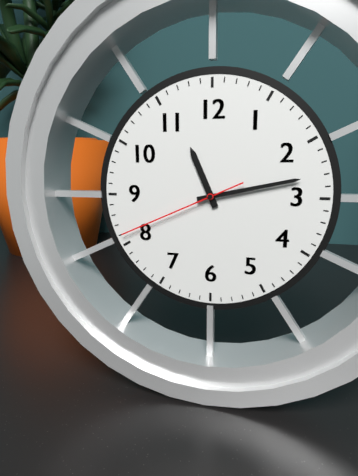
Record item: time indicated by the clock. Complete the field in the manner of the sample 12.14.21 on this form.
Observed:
11.13.41
